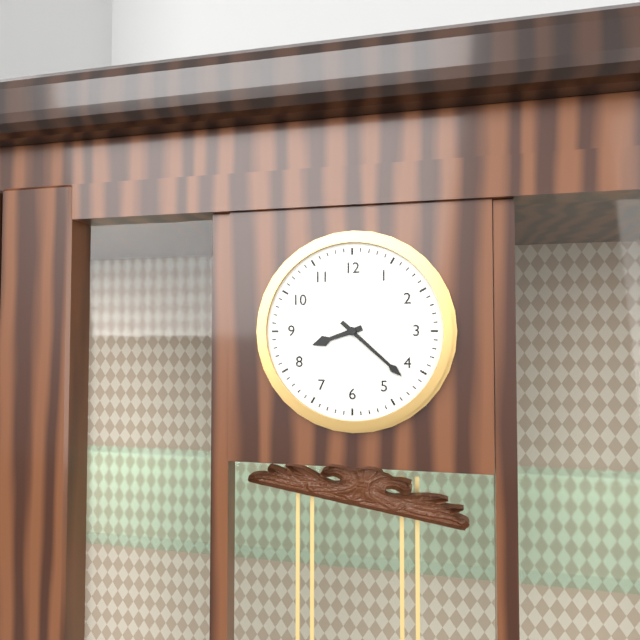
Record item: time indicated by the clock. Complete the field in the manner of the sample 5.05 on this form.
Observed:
8.22
